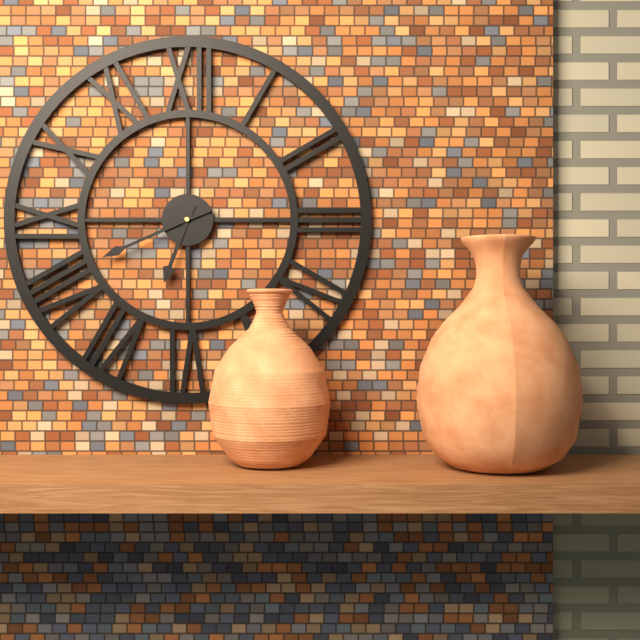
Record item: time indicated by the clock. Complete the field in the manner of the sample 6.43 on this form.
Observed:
6.41
